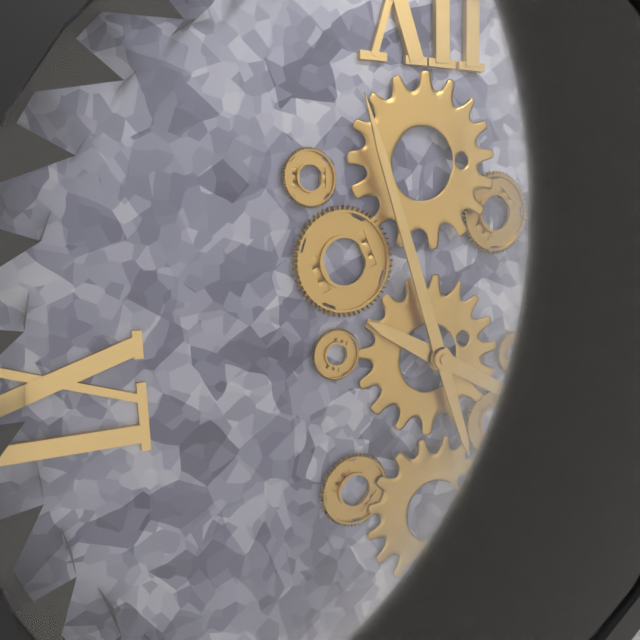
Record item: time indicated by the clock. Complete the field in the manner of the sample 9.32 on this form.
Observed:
3.57
